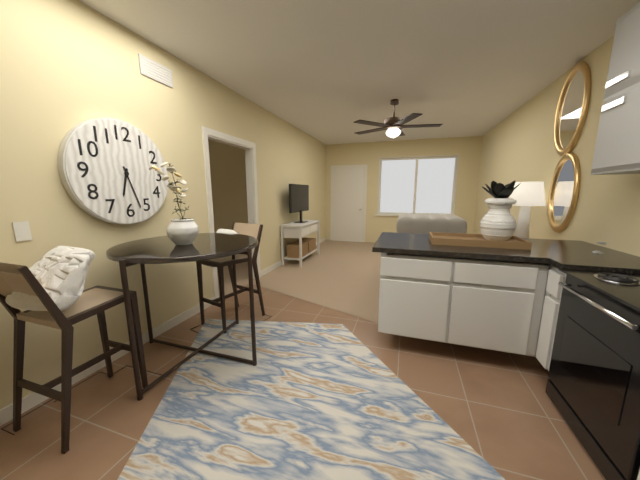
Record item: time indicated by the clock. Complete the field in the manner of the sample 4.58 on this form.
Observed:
6.27
